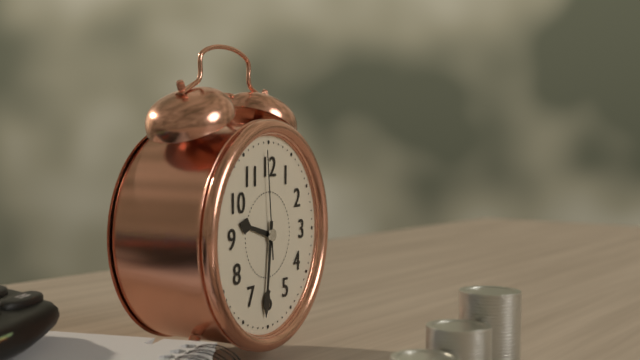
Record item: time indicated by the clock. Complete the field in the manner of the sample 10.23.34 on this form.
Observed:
9.31.59
